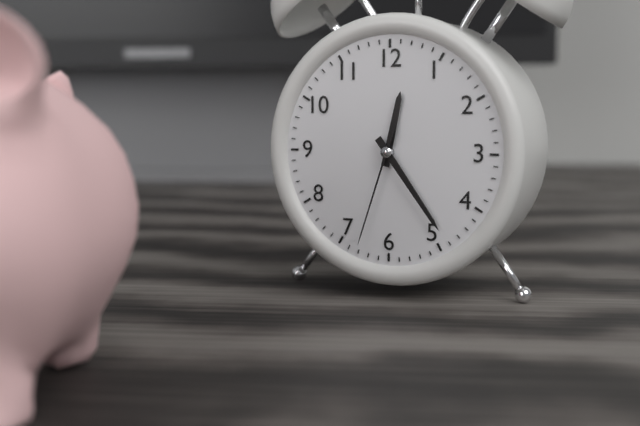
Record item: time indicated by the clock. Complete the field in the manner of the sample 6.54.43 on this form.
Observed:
12.24.33
